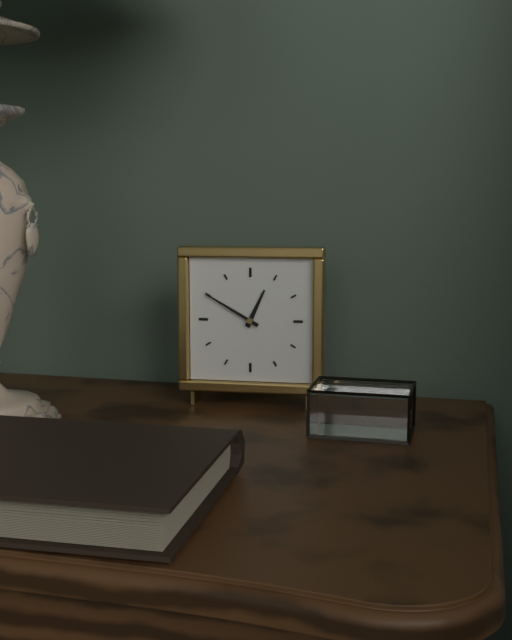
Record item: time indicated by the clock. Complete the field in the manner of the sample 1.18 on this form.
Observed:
12.50
